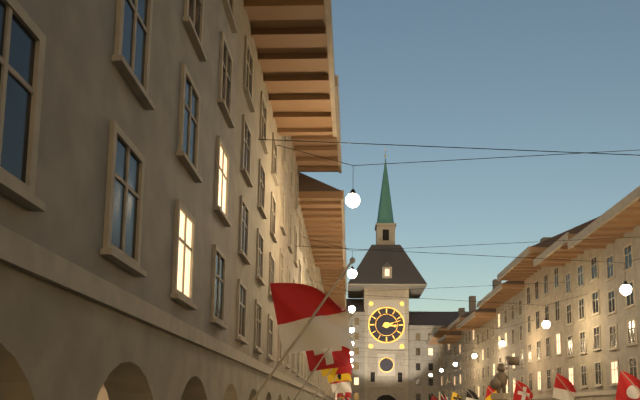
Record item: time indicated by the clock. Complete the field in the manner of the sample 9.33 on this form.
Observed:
3.12
